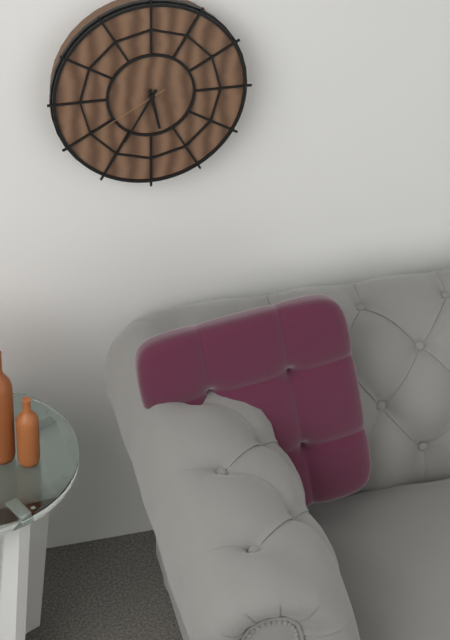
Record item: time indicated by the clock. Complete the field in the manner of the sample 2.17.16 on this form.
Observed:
5.35.40
